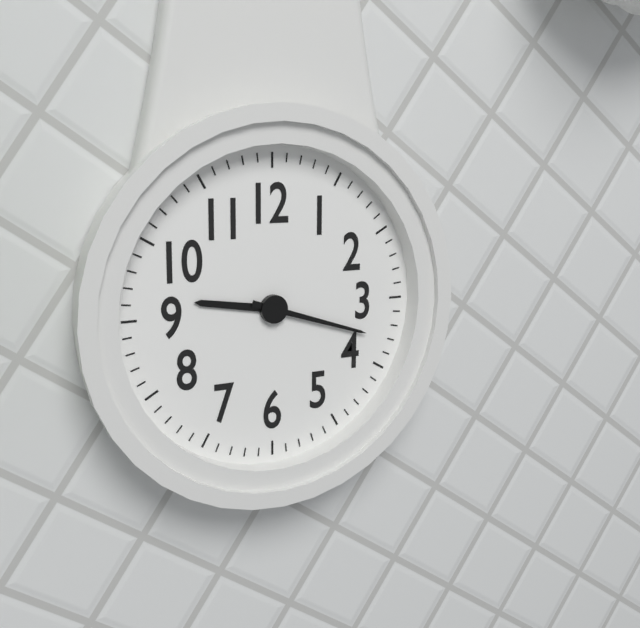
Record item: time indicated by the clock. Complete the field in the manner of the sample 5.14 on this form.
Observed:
9.18
